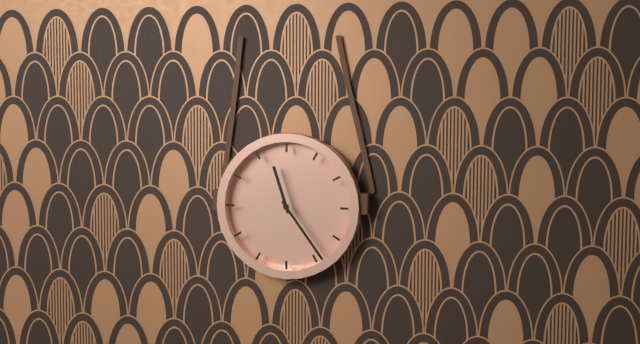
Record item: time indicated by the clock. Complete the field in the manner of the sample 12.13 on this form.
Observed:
11.24
